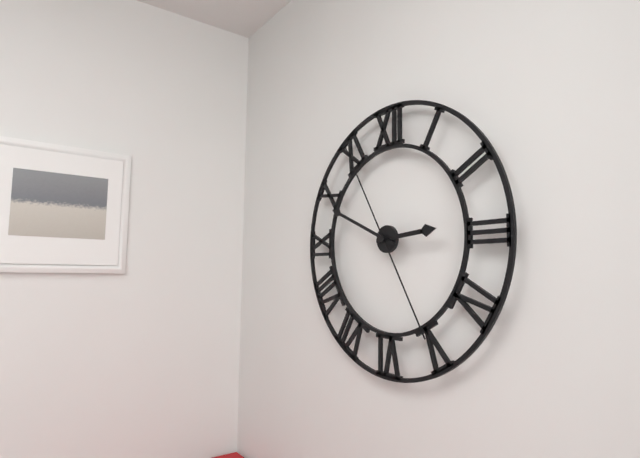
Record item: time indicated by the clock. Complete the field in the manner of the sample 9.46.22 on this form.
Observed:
2.49.55
